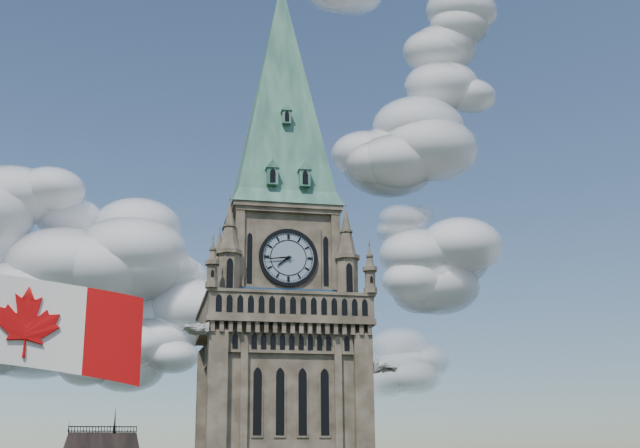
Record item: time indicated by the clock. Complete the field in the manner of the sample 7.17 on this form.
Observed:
7.44
